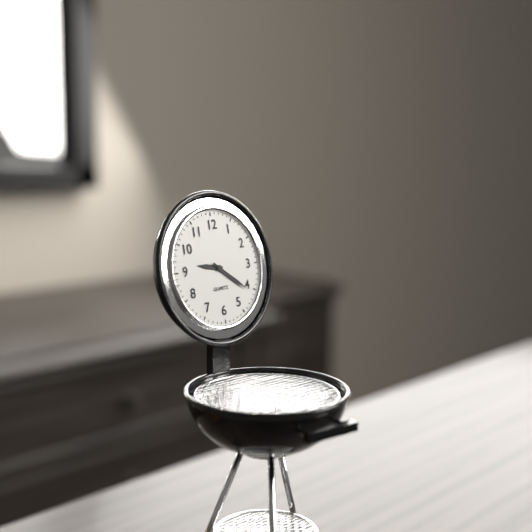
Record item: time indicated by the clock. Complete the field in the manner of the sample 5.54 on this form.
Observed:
9.21
